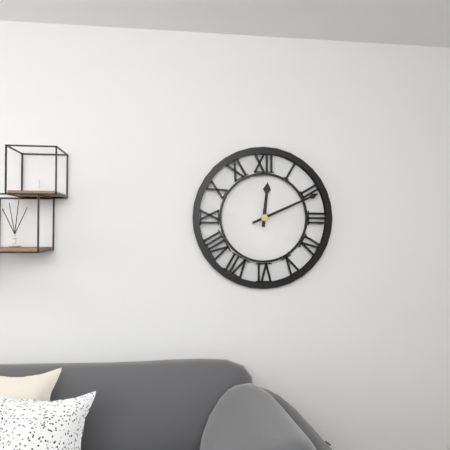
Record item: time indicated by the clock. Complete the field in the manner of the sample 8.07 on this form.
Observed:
12.11
